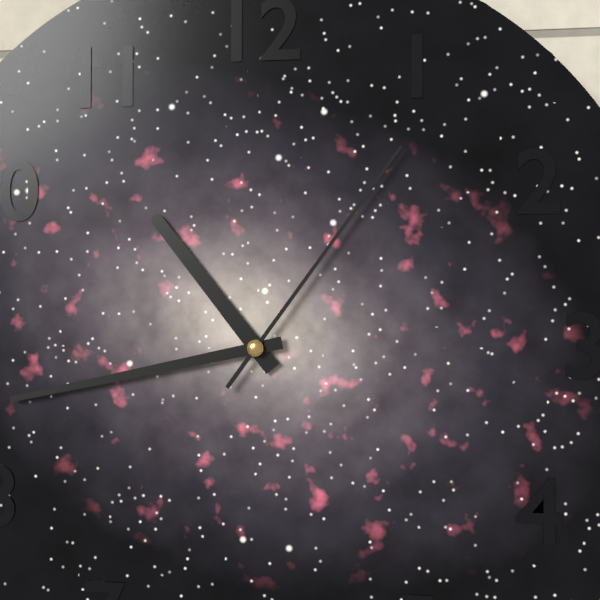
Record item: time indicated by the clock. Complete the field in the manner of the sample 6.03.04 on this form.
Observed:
10.43.06
